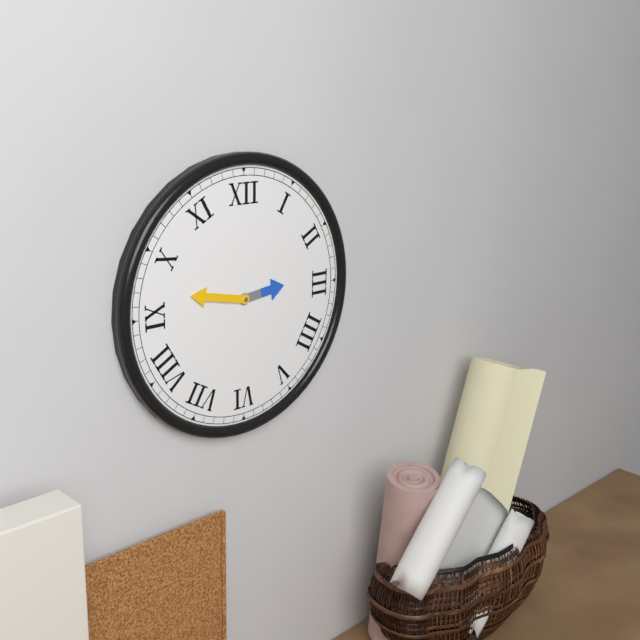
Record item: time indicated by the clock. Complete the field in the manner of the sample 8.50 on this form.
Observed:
2.47
